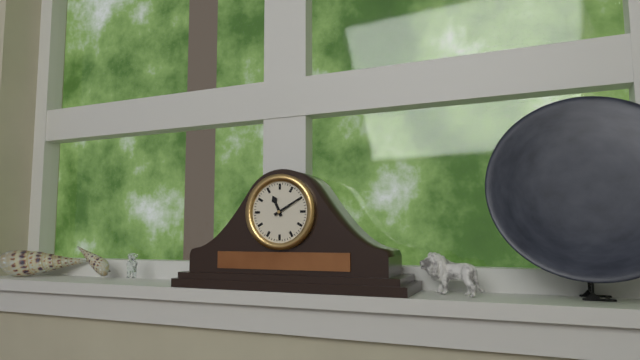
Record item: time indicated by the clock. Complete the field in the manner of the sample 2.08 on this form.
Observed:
11.10
